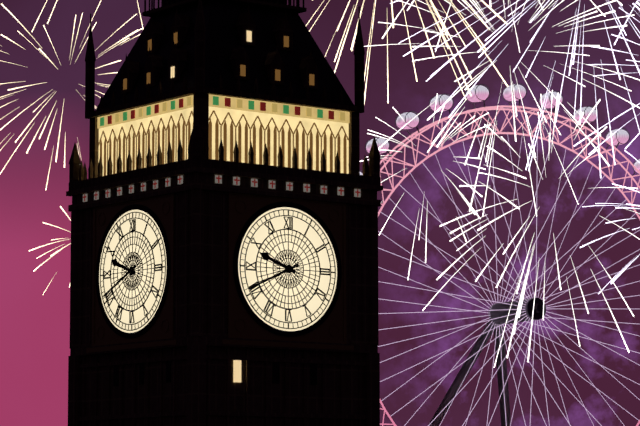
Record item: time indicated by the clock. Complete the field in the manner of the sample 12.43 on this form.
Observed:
9.41
